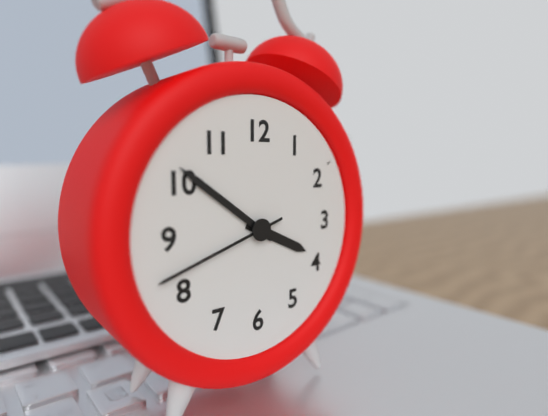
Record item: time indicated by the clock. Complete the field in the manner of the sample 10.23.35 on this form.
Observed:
3.51.42
